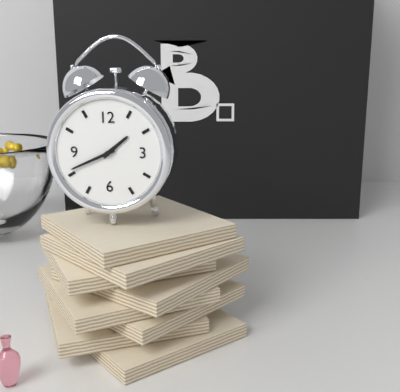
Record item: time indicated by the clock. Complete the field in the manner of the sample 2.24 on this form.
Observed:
1.41
